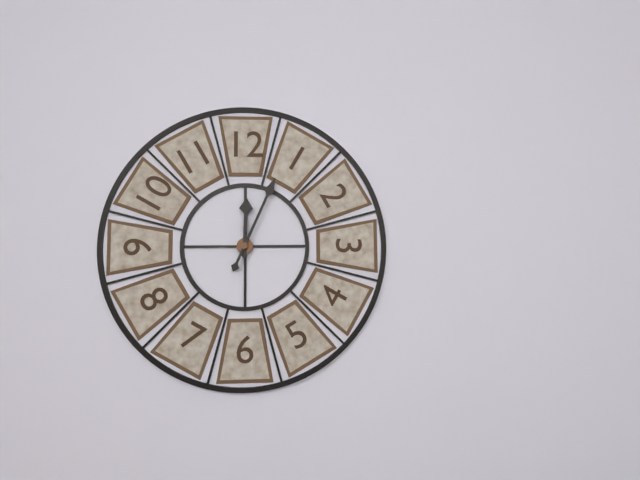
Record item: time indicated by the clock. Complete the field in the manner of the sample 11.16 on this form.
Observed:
12.04
